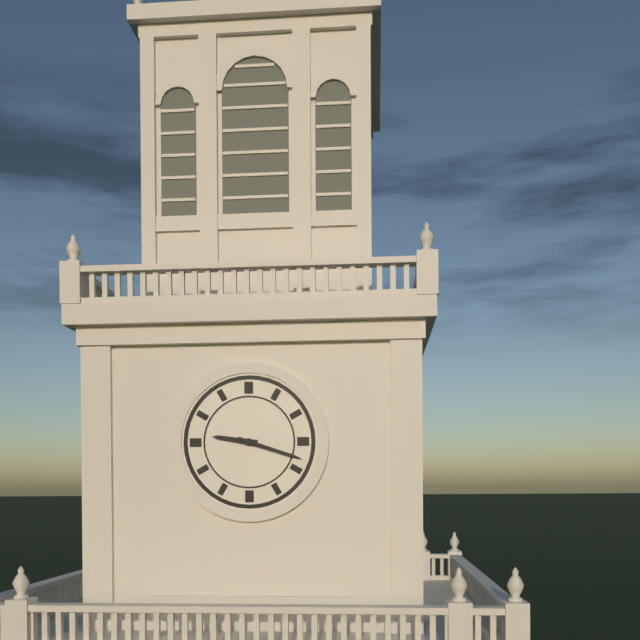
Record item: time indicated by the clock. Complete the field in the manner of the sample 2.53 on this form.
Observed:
9.18
